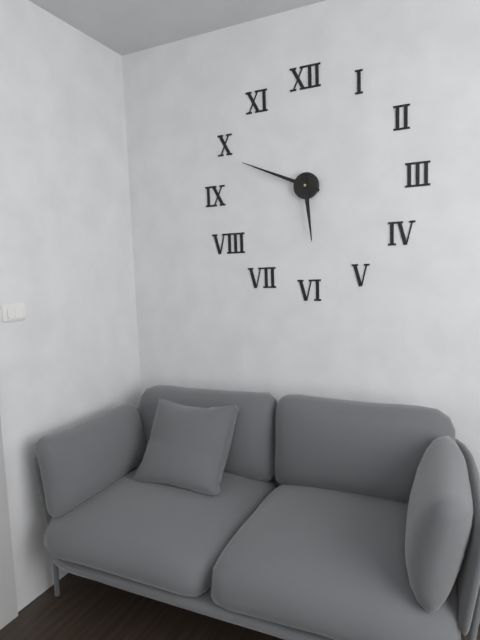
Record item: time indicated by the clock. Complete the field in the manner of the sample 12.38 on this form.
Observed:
5.49
